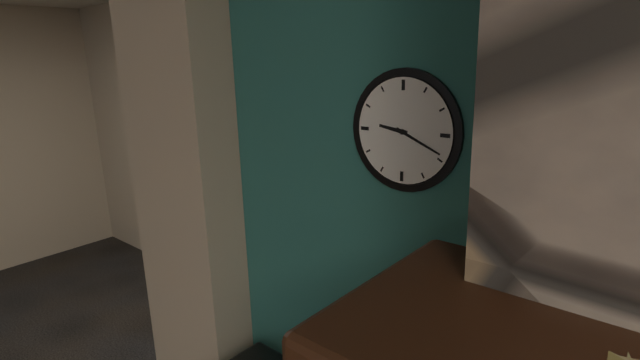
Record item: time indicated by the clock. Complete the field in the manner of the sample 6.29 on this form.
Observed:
9.19
